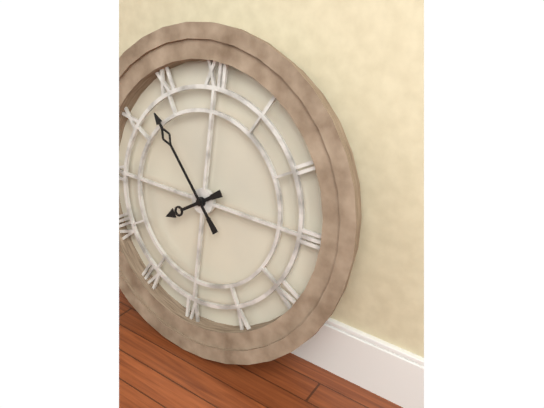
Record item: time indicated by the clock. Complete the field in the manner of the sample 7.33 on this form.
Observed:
7.53
